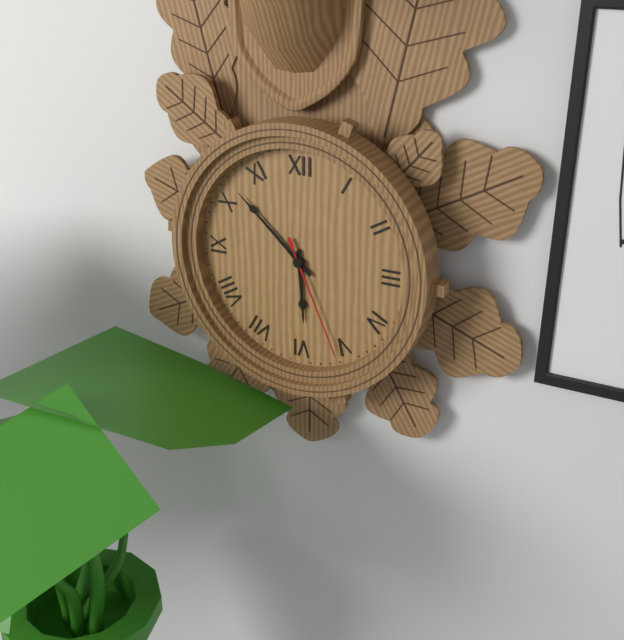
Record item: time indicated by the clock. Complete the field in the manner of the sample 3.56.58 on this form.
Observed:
5.52.26
